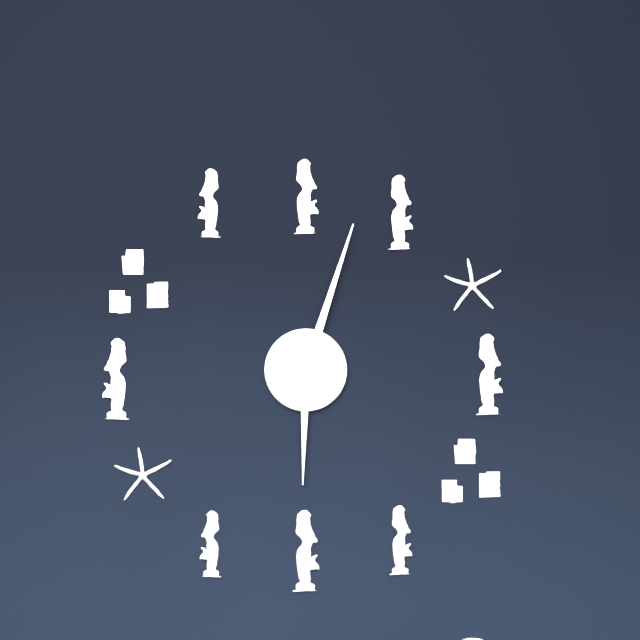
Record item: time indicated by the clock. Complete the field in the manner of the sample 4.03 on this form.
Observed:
6.03
